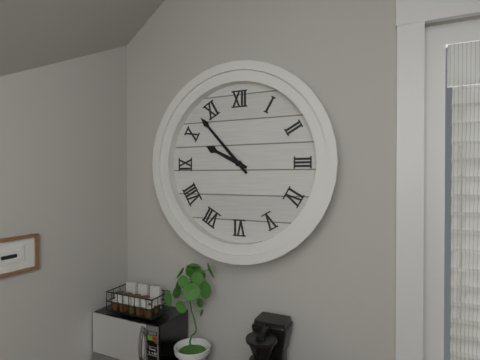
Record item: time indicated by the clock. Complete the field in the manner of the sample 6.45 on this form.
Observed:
9.53
